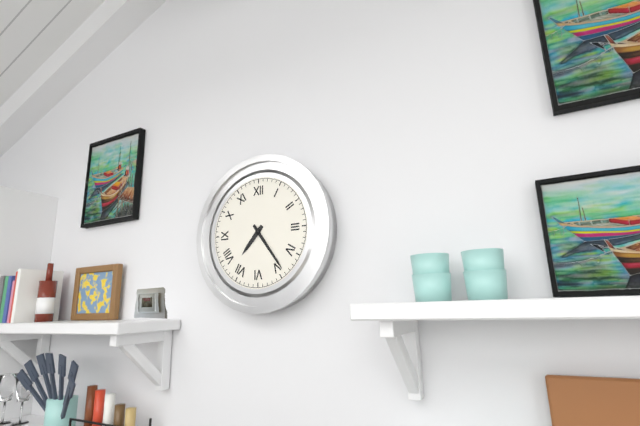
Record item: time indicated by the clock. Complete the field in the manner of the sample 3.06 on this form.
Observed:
7.24
